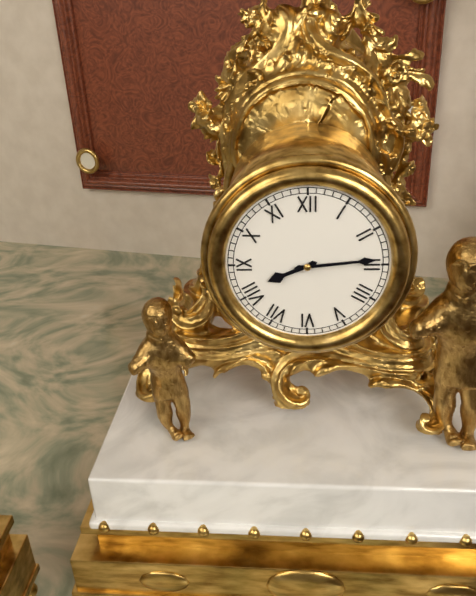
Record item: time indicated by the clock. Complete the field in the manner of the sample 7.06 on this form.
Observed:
8.14
